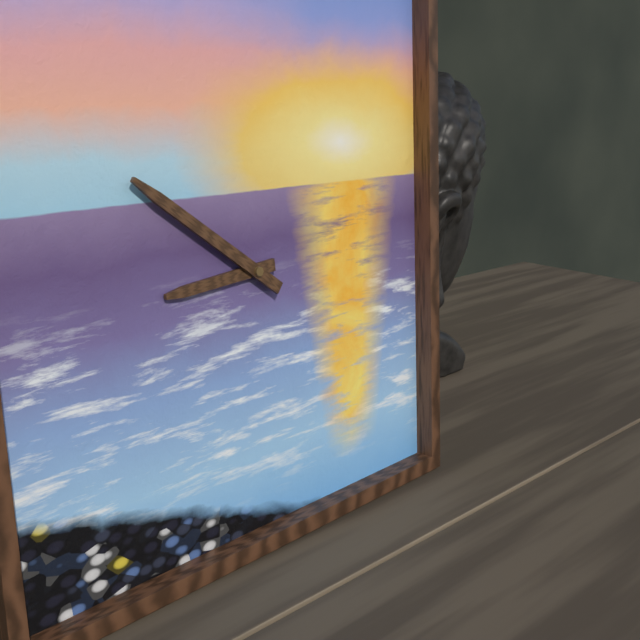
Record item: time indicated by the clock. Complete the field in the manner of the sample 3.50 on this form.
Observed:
8.51
